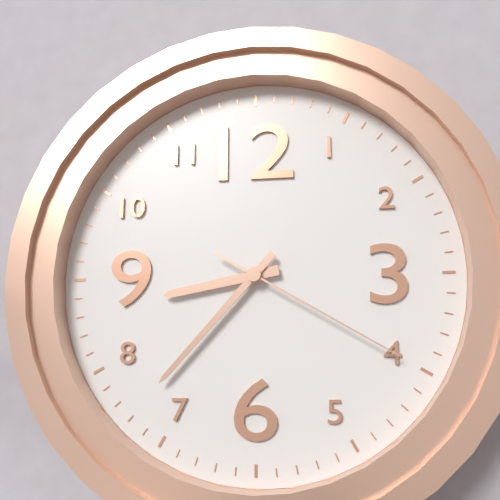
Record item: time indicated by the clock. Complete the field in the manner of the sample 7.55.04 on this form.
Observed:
8.37.20
